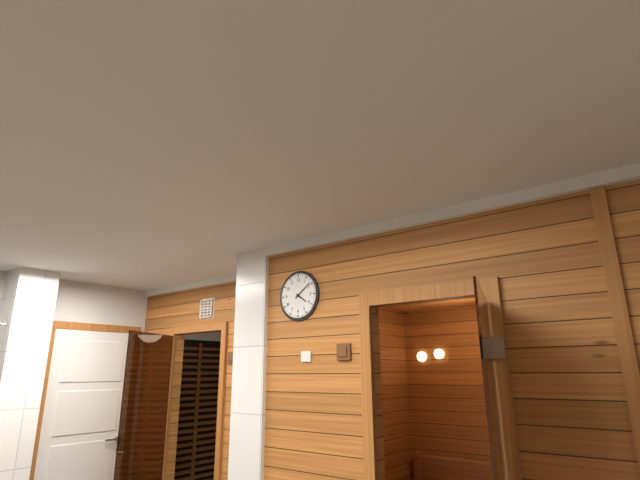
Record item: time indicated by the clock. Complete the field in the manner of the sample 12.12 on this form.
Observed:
4.09
